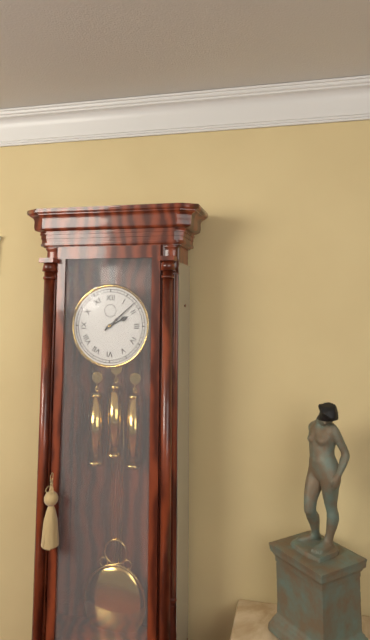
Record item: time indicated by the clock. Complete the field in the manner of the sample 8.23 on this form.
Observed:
2.08
